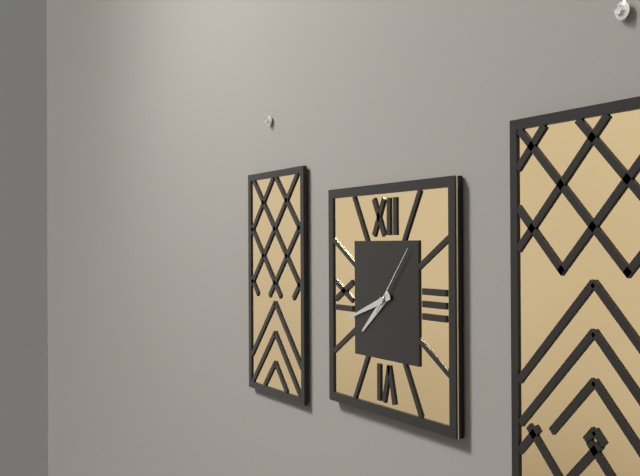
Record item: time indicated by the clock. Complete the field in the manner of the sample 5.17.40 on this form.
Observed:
7.42.07
